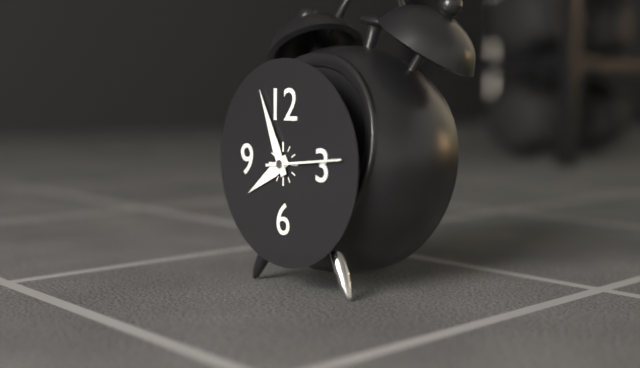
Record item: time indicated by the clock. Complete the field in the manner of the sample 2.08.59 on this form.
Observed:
7.56.14
